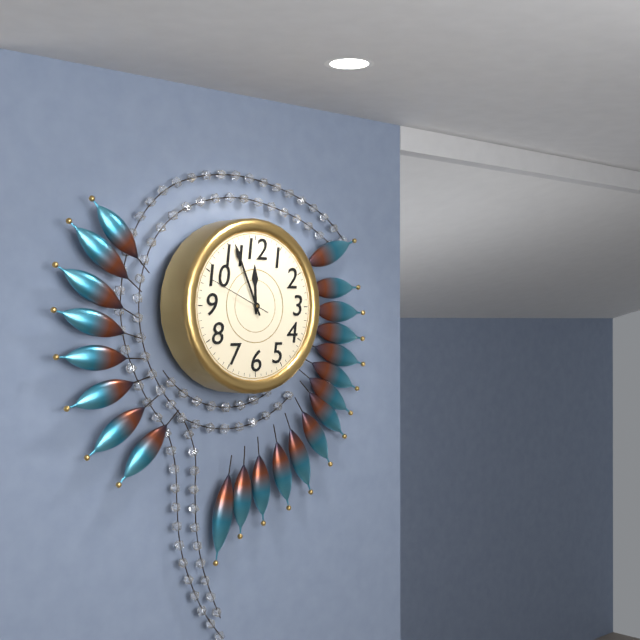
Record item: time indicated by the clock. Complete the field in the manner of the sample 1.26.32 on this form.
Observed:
11.56.49
